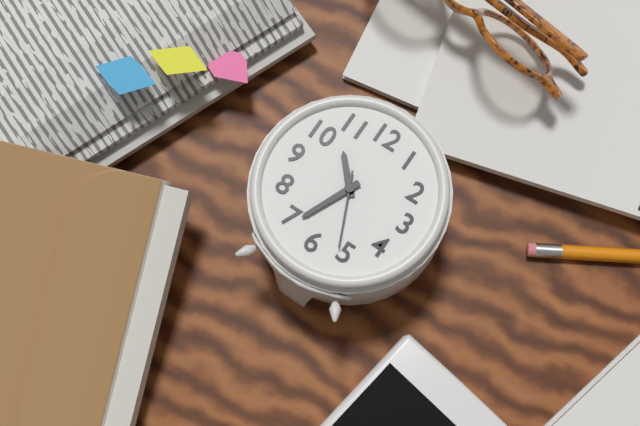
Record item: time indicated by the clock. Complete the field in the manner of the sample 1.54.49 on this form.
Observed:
10.34.26
